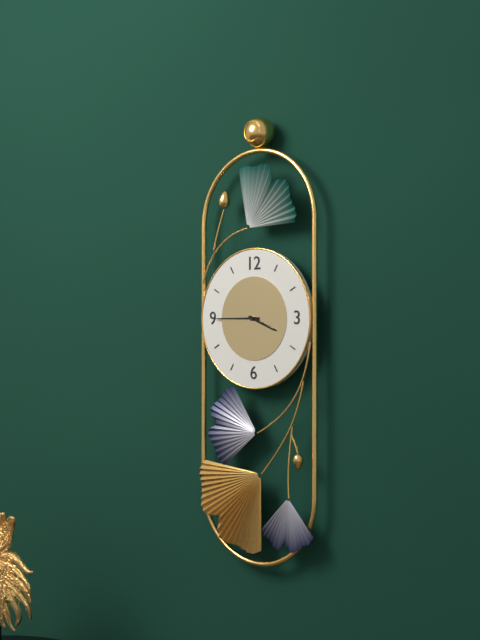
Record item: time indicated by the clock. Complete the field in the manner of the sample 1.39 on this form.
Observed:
3.45
